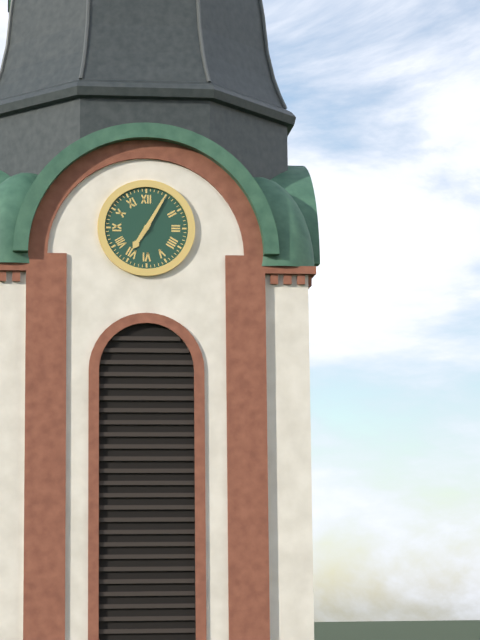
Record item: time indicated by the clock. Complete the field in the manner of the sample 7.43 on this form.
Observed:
7.05
